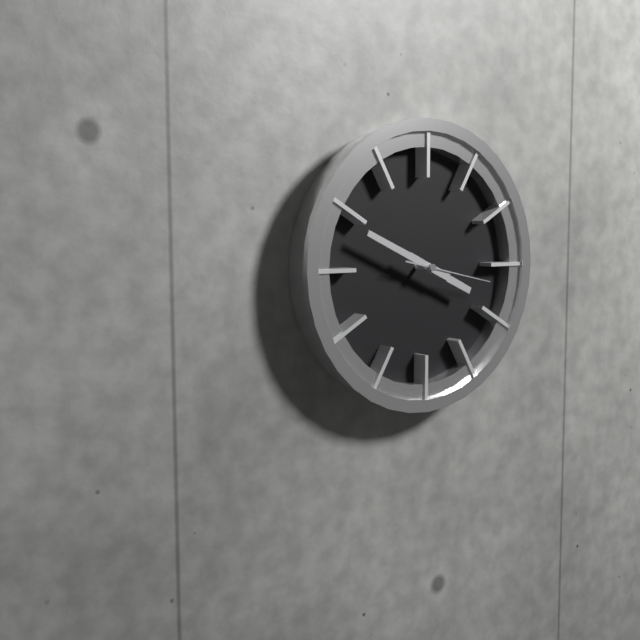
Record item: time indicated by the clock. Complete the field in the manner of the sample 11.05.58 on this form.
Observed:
3.49.17
